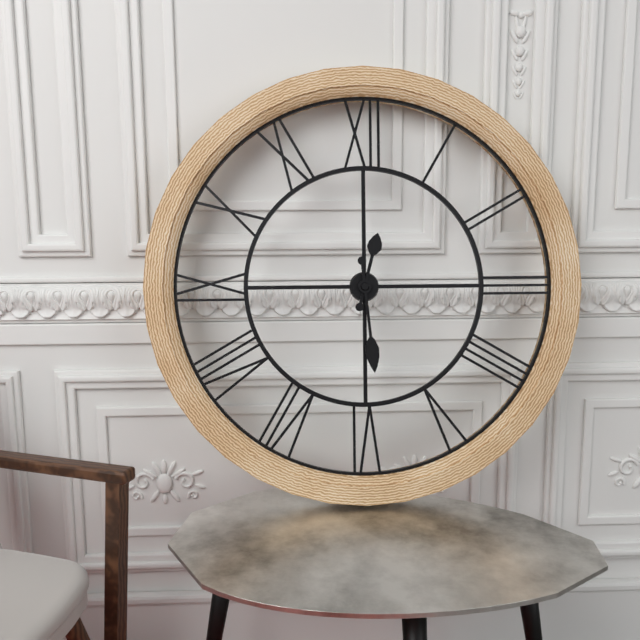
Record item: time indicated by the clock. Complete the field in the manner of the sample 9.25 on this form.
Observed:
12.29
